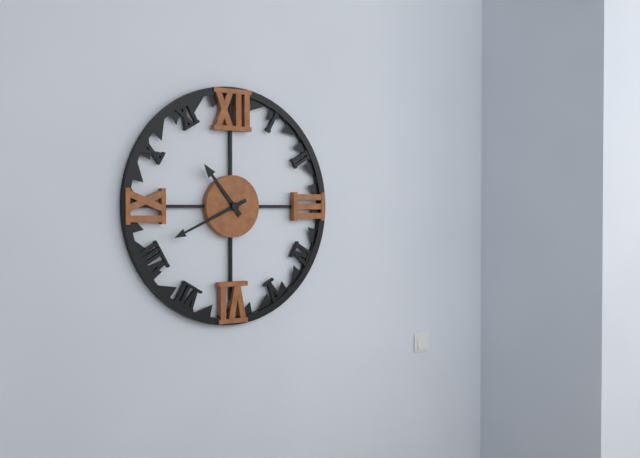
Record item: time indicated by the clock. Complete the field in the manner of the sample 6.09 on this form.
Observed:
10.41
